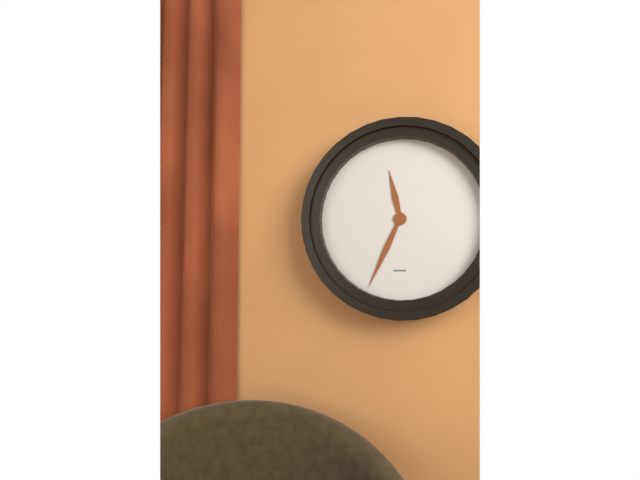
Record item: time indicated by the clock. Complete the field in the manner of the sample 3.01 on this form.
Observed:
11.34
